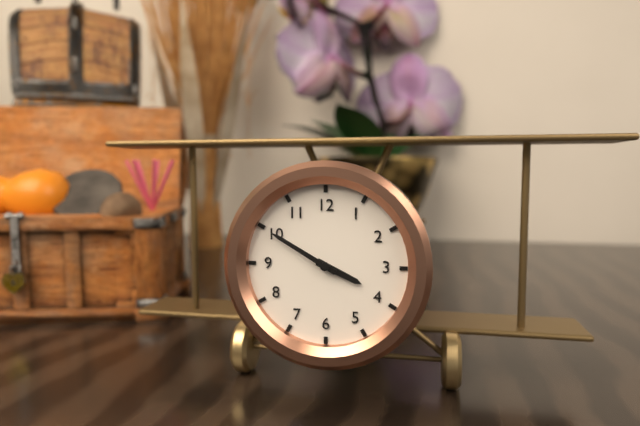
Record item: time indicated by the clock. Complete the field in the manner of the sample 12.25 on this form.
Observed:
3.50
